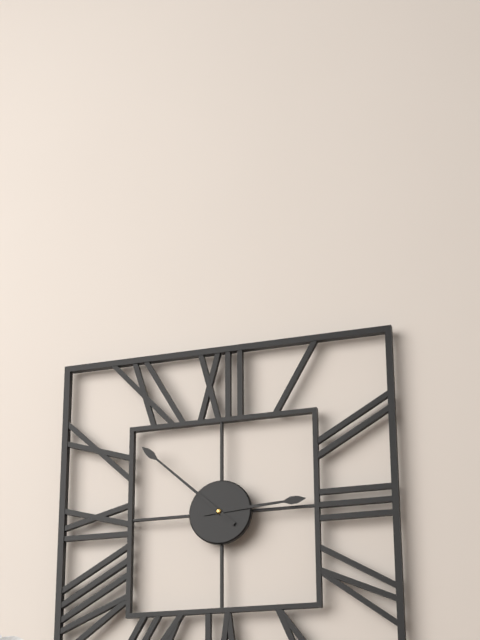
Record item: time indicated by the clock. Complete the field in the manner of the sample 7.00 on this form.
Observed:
2.52
